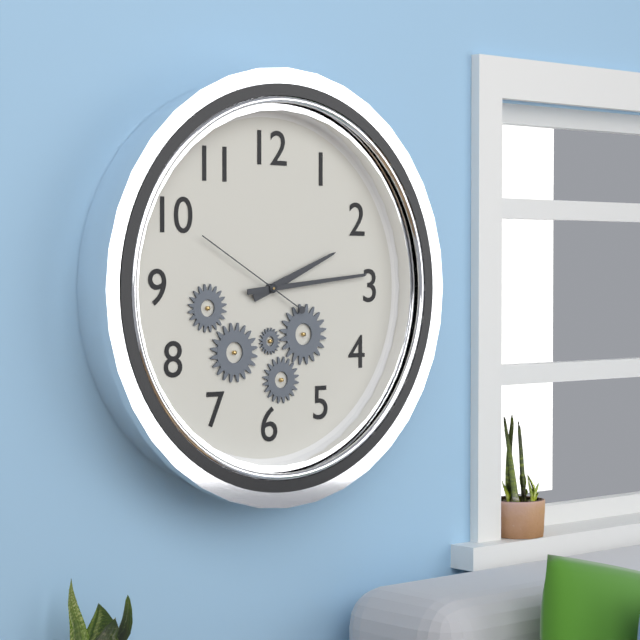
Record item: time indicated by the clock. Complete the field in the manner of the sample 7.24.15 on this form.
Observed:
2.14.50
